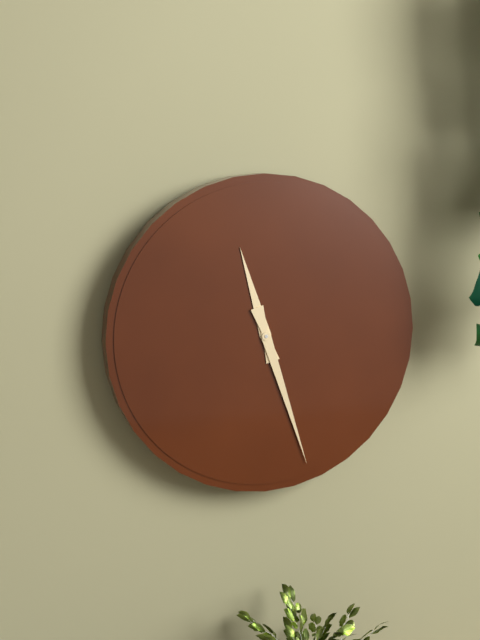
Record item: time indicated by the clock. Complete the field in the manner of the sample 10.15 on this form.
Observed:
11.27
